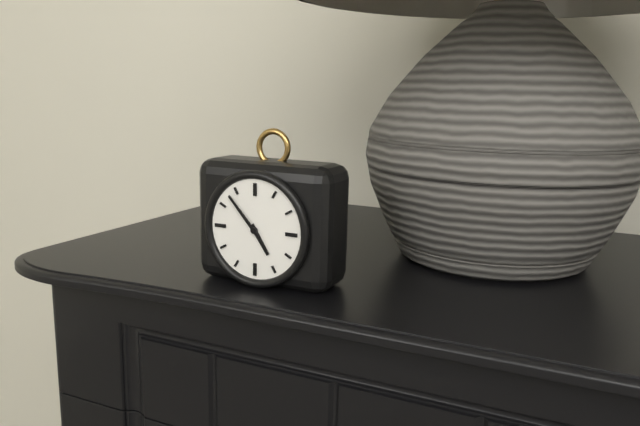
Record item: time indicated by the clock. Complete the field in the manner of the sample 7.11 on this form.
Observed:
4.53
